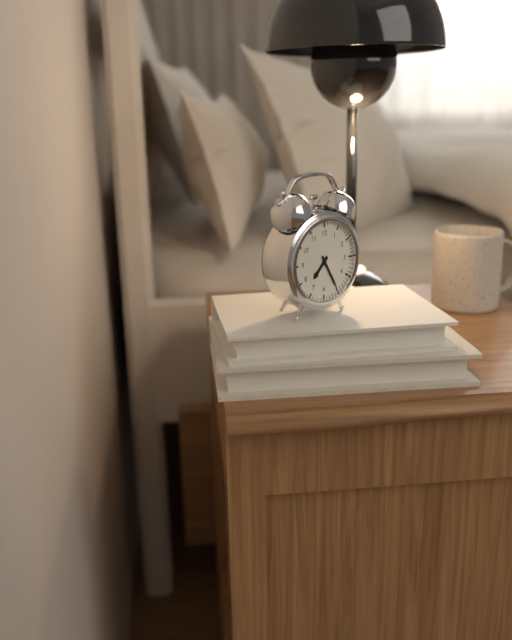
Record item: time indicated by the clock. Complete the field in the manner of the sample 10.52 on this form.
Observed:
7.25
